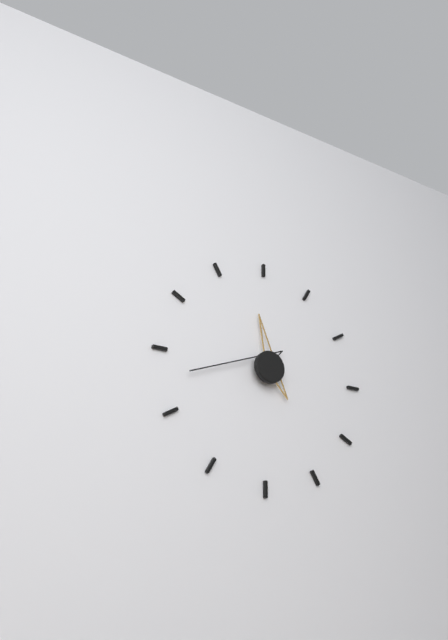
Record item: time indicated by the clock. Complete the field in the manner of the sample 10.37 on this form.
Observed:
11.43
